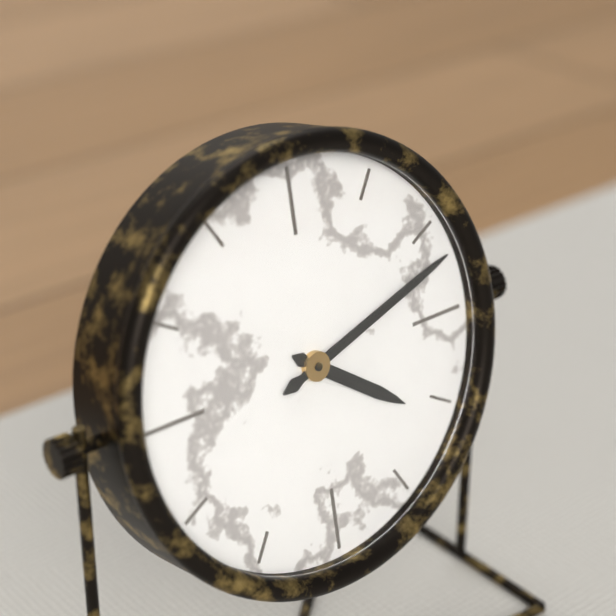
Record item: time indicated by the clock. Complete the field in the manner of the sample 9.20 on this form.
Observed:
4.12
